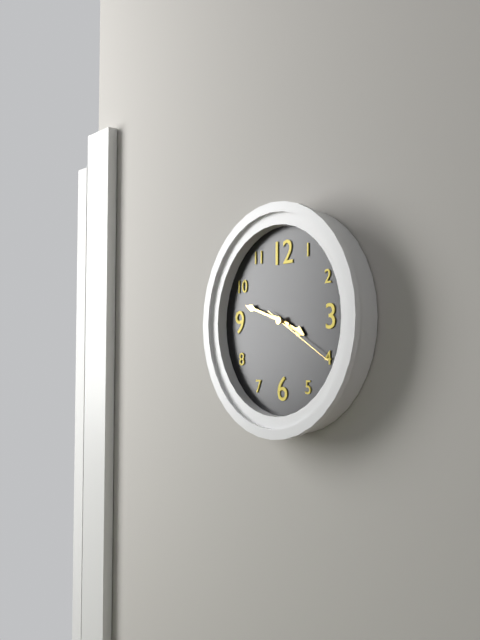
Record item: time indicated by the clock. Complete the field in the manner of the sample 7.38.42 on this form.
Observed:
3.48.20
